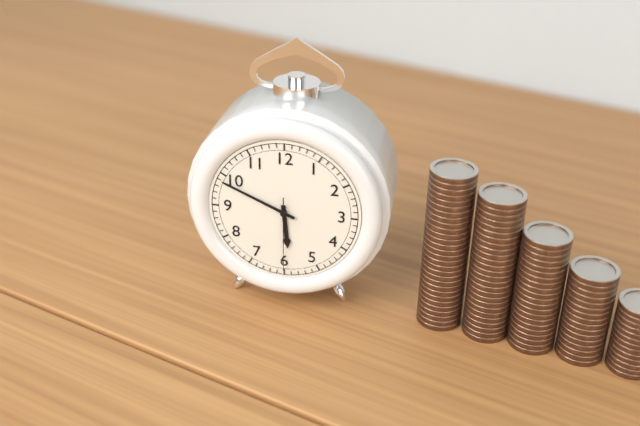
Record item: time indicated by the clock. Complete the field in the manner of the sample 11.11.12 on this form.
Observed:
5.49.30
